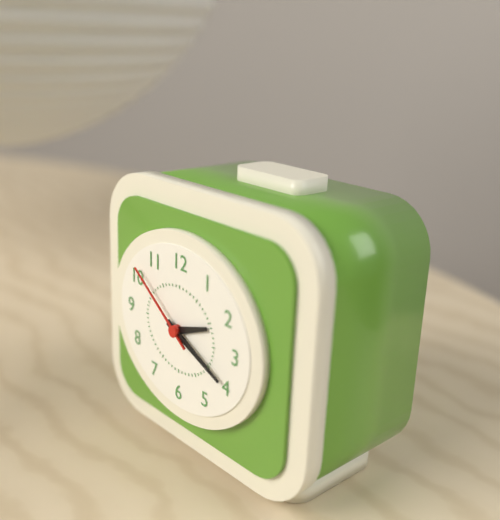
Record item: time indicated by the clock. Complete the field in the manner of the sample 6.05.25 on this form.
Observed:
2.19.51
